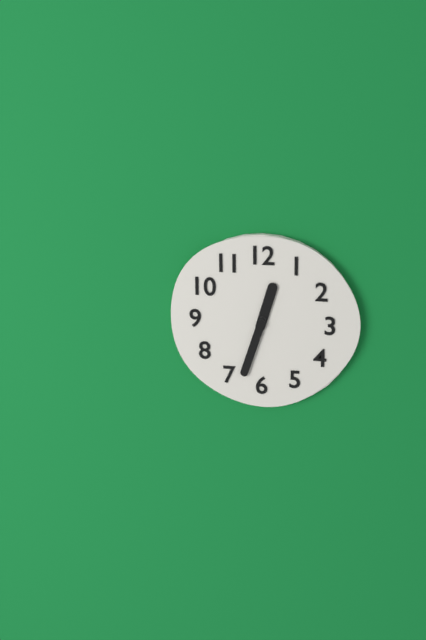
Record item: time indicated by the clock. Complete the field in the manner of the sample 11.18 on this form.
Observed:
12.33
